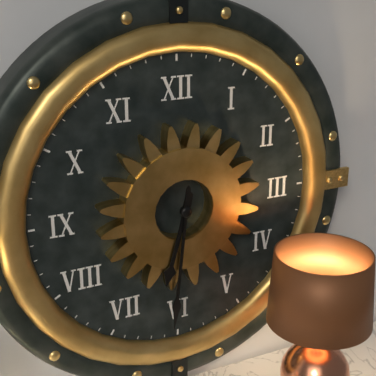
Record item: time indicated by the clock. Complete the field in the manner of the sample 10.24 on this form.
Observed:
6.31
